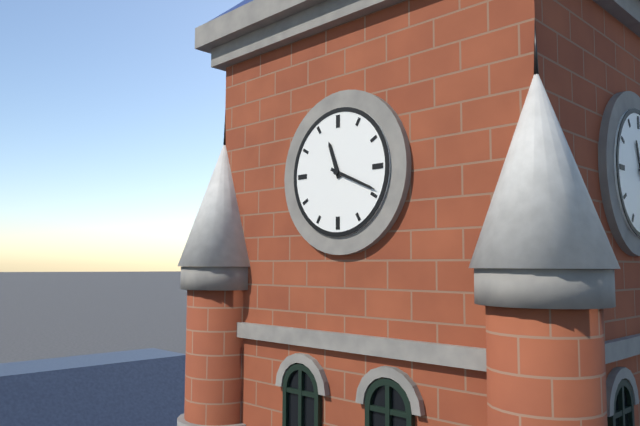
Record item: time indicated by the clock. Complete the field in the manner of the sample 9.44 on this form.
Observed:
11.19
